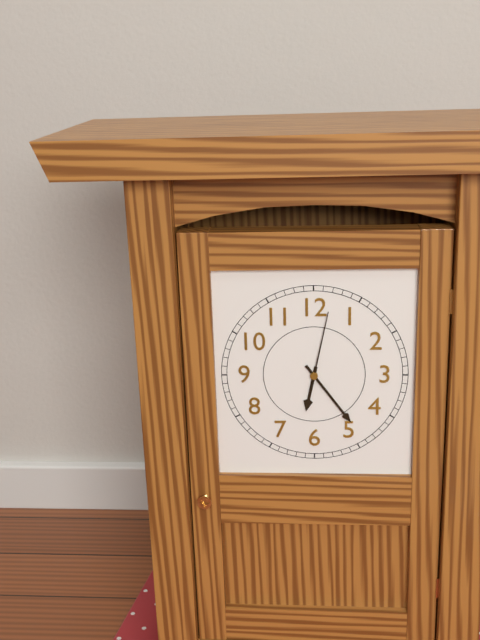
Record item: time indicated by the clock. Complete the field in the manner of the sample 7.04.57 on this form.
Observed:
6.24.02
